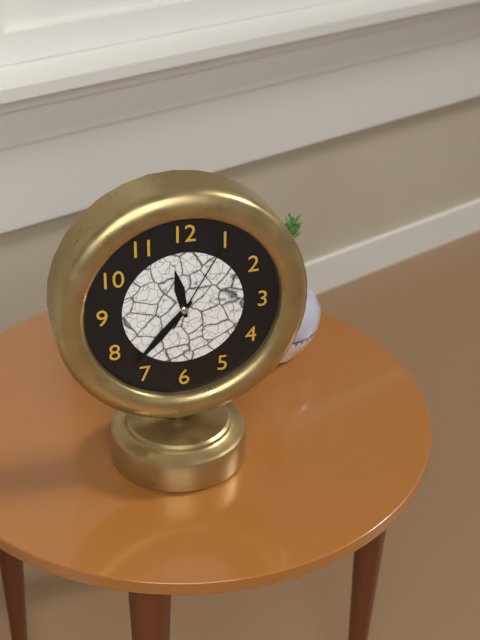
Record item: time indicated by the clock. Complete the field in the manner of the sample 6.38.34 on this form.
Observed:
11.37.05
